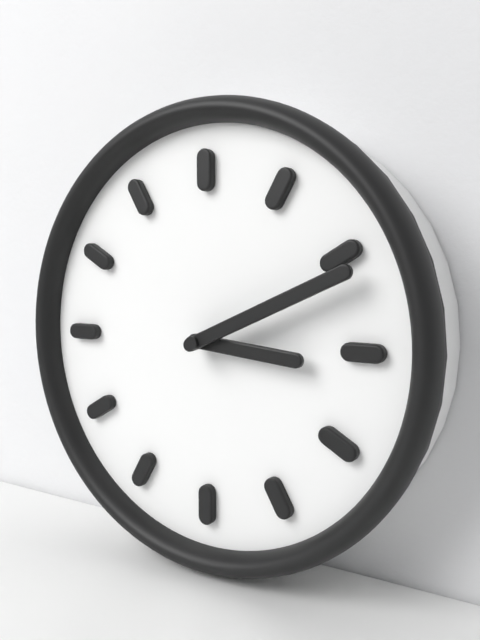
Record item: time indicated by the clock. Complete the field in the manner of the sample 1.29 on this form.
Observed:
3.11
